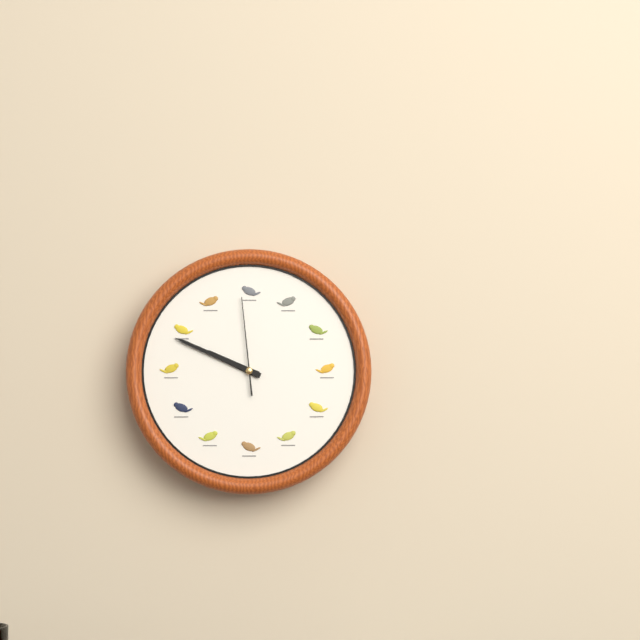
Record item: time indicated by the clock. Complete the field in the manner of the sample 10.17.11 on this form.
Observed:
9.49.59
